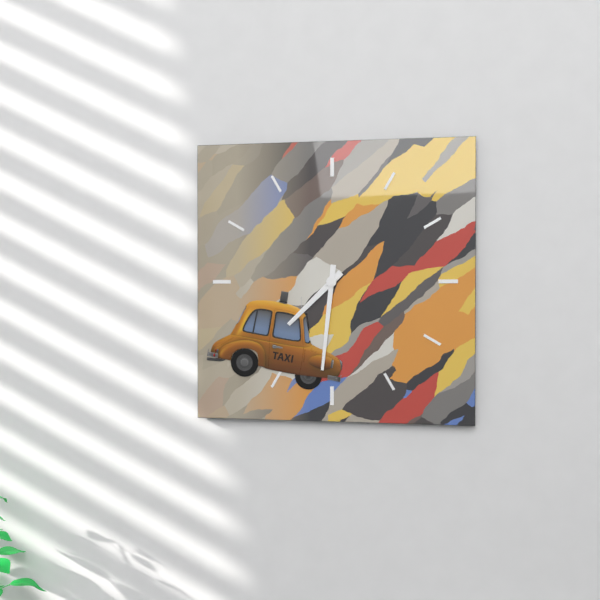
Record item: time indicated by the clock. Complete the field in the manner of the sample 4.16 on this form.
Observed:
7.31
